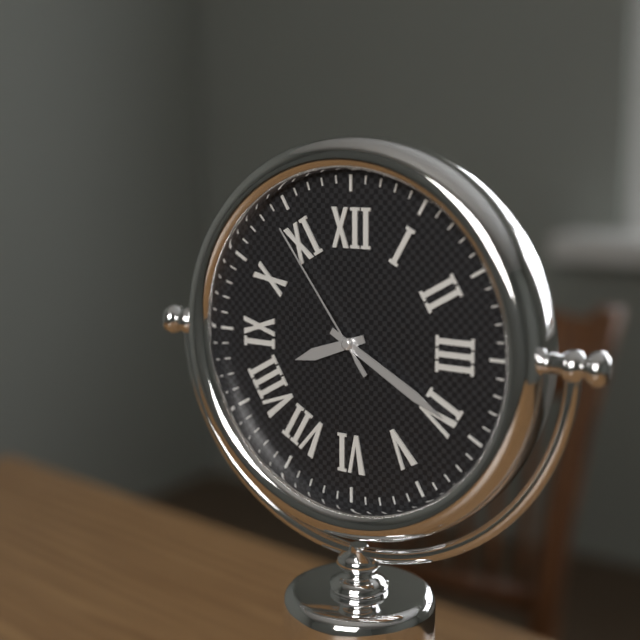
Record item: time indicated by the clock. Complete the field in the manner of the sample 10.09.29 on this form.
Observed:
8.20.54
